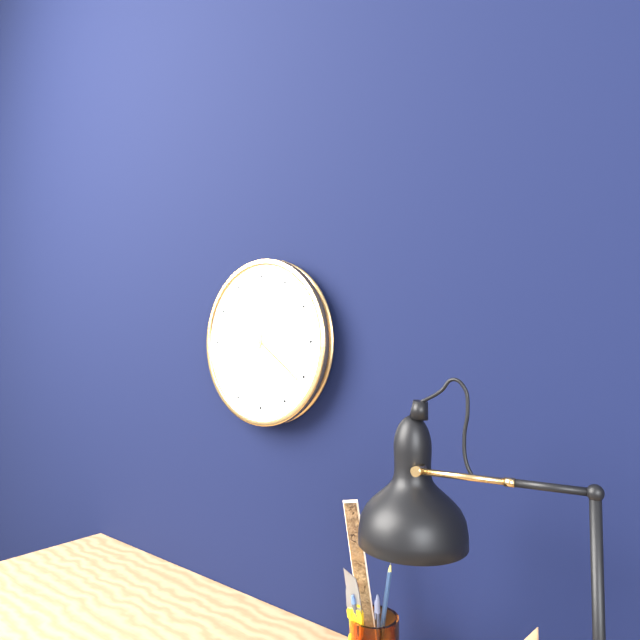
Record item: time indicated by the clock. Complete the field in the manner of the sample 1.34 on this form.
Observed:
12.21
